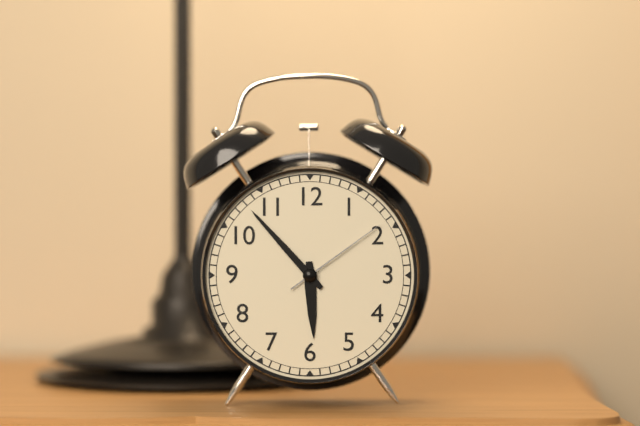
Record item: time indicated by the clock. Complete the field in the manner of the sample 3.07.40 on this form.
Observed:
5.53.09
